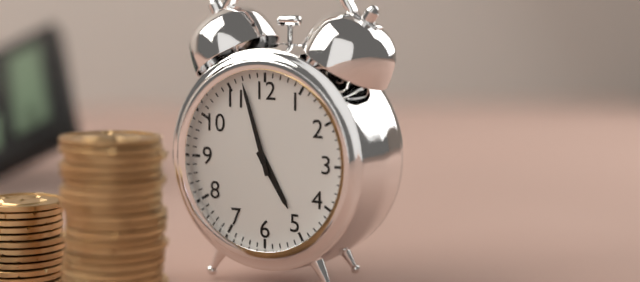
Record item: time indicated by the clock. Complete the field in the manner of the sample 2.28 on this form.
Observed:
4.57
